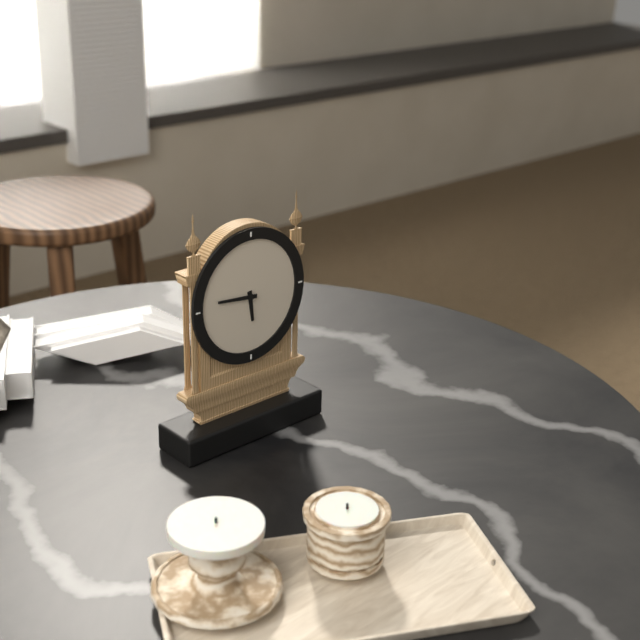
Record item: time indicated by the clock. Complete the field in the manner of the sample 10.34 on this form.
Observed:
5.46
